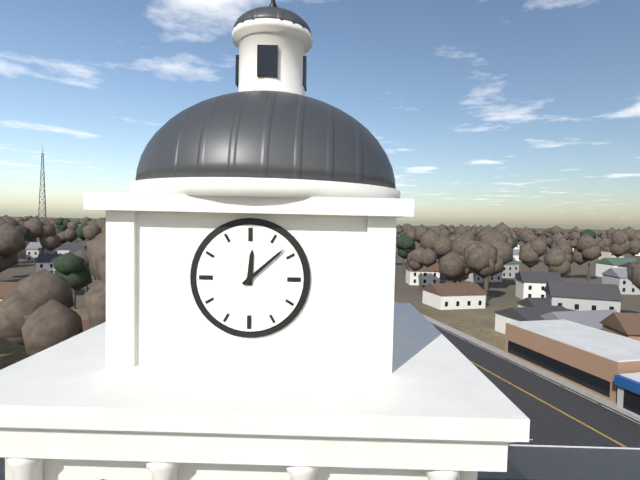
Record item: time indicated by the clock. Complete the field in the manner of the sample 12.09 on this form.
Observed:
12.08
